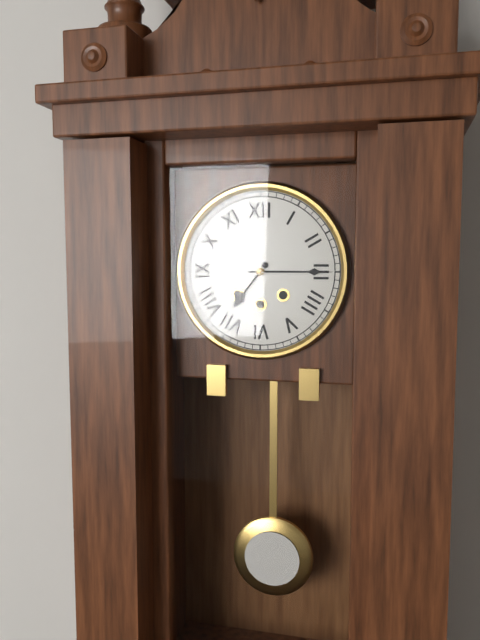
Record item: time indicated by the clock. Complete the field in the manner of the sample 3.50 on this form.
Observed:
7.15
